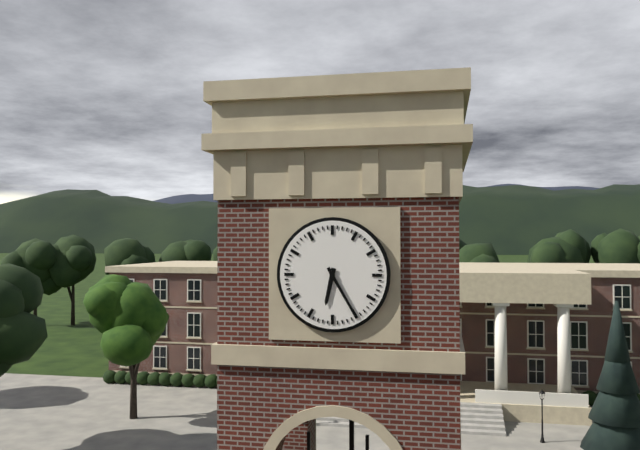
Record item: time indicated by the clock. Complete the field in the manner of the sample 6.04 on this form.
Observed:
6.25
